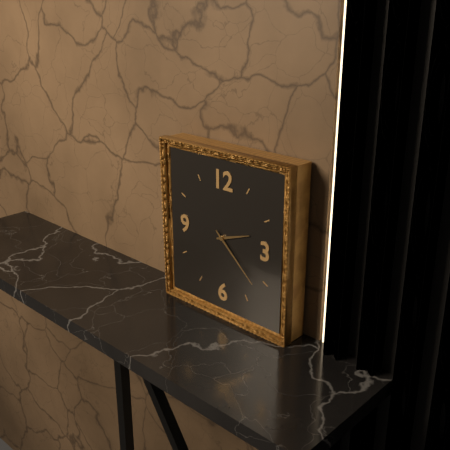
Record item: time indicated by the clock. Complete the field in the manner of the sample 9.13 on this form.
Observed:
2.22
